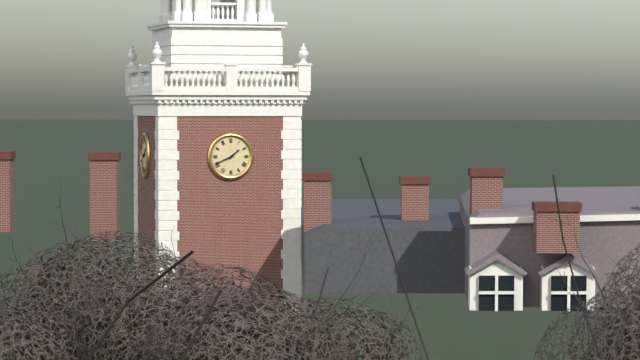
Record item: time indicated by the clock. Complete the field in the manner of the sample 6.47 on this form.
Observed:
1.41
